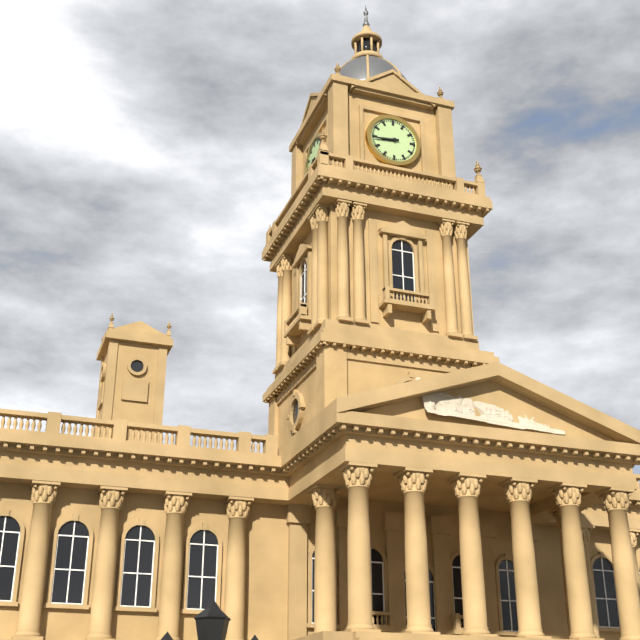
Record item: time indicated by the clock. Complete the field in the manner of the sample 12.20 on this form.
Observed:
8.44
